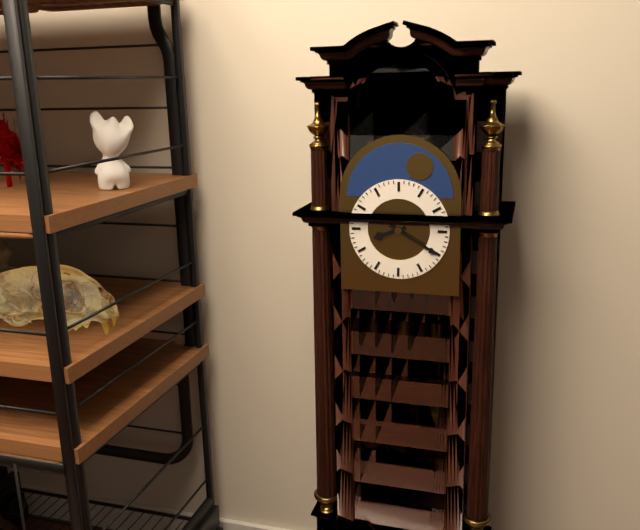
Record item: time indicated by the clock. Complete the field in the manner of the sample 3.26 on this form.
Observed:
8.20
